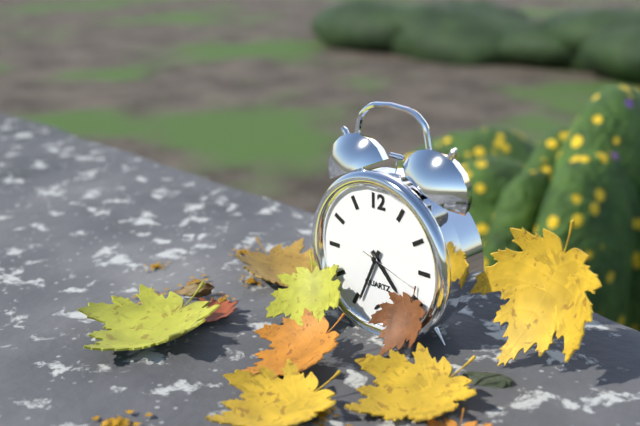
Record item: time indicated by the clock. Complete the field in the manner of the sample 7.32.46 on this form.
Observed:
4.34.18
